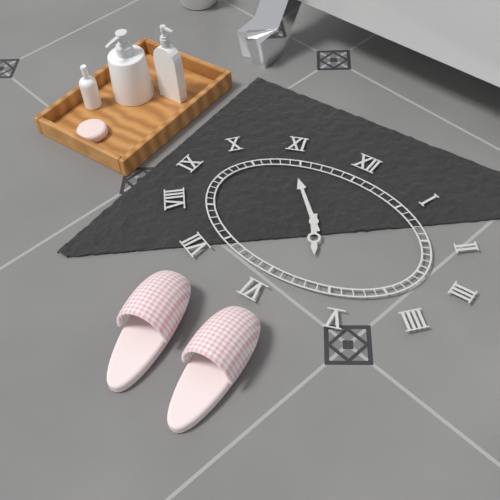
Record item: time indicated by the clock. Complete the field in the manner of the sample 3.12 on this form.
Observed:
4.52
